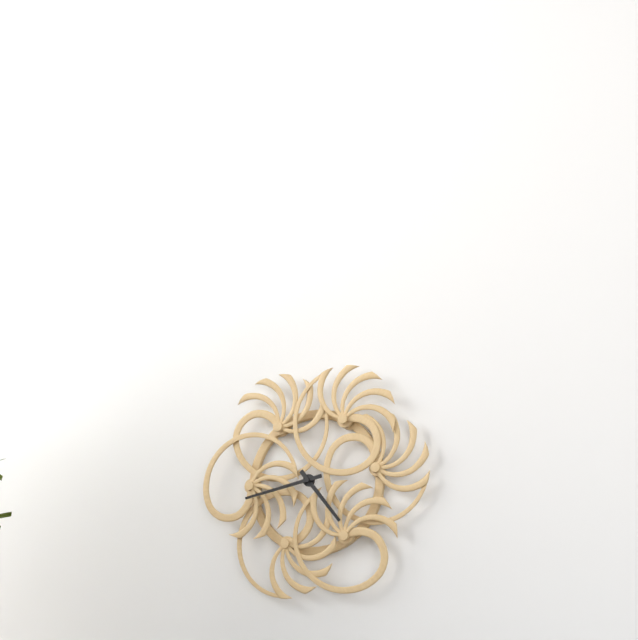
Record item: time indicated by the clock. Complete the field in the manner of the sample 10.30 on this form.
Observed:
4.43
